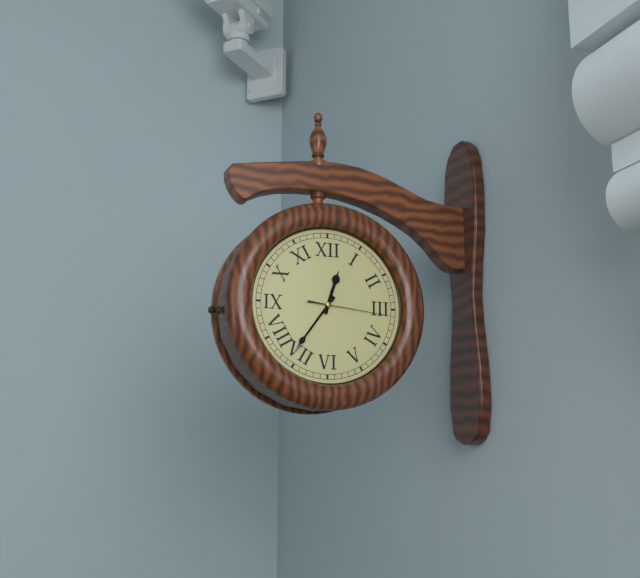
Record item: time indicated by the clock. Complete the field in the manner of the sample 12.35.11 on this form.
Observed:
12.36.16
